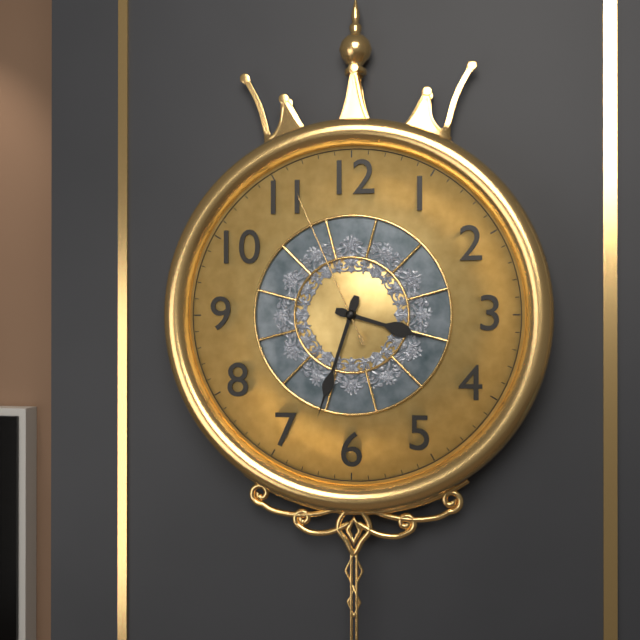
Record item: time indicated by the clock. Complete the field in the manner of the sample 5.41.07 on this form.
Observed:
3.33.56
